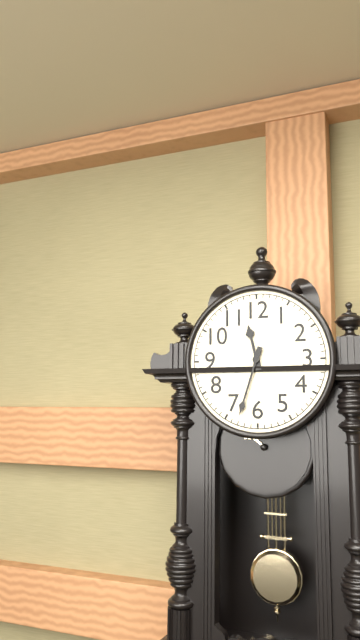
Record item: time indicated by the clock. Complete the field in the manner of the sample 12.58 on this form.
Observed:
11.33
